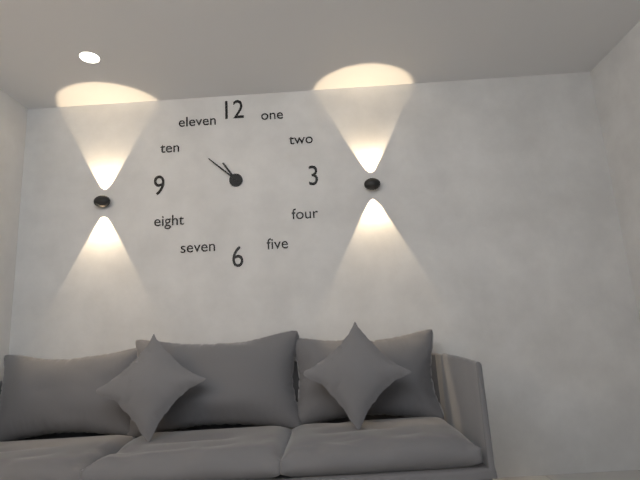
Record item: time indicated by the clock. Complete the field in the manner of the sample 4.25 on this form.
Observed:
10.52
